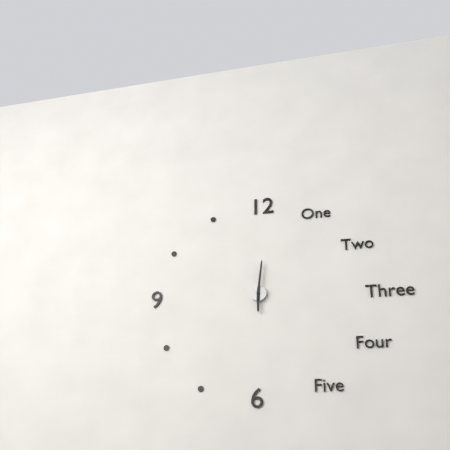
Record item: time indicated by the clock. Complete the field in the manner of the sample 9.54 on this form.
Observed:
6.01
